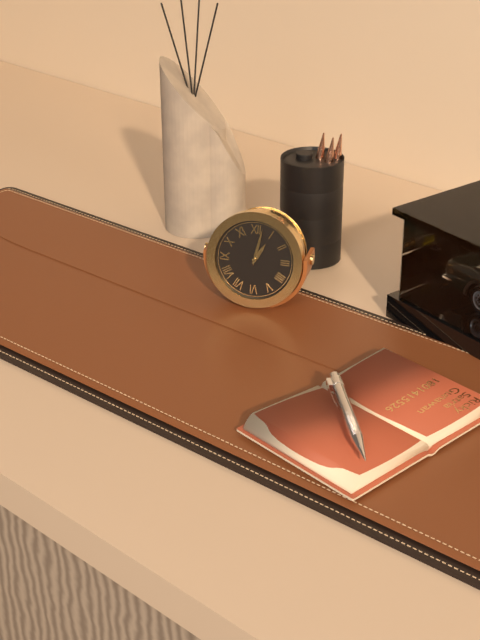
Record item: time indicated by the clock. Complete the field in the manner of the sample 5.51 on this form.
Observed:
1.02
